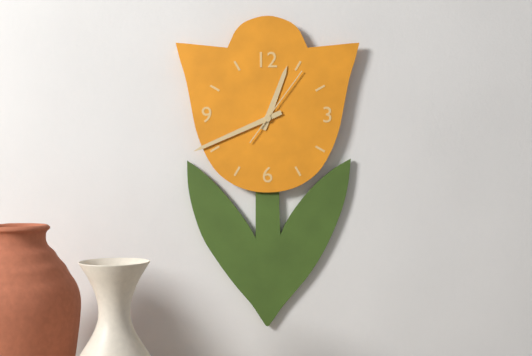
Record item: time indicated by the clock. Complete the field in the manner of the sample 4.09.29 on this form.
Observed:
12.41.06
